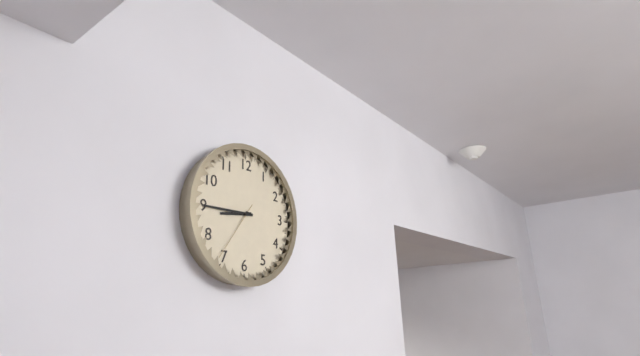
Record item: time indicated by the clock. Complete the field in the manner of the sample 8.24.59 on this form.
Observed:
8.45.36
